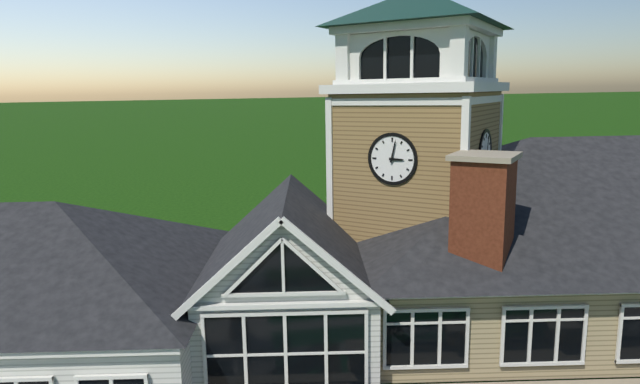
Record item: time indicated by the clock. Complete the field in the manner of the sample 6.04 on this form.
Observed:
3.02
